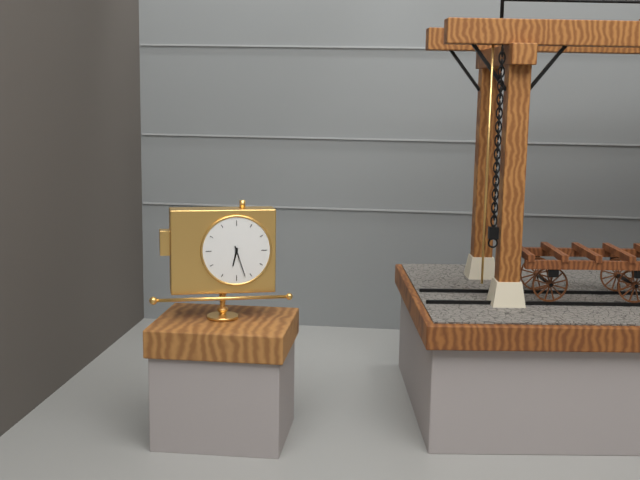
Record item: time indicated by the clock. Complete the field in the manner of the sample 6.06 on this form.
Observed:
6.27
